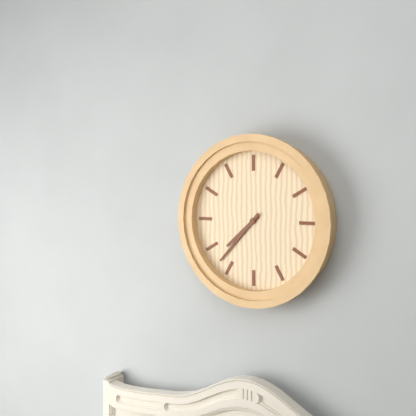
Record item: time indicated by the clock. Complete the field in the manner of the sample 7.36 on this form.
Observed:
7.37
